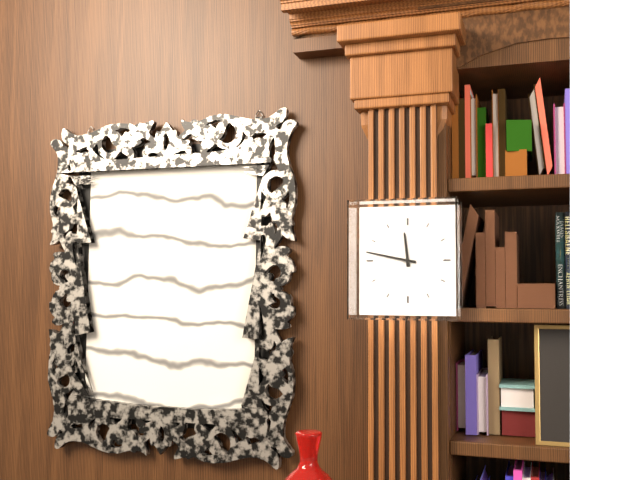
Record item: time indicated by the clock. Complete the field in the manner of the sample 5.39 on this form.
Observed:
11.47
